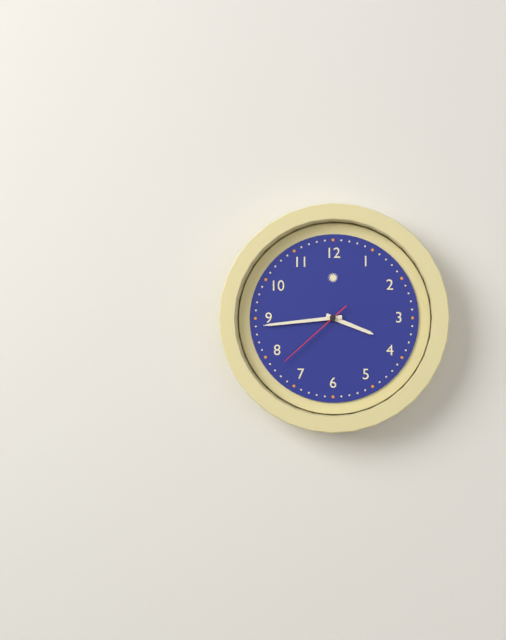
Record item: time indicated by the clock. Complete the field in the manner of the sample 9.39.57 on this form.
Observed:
3.44.38
